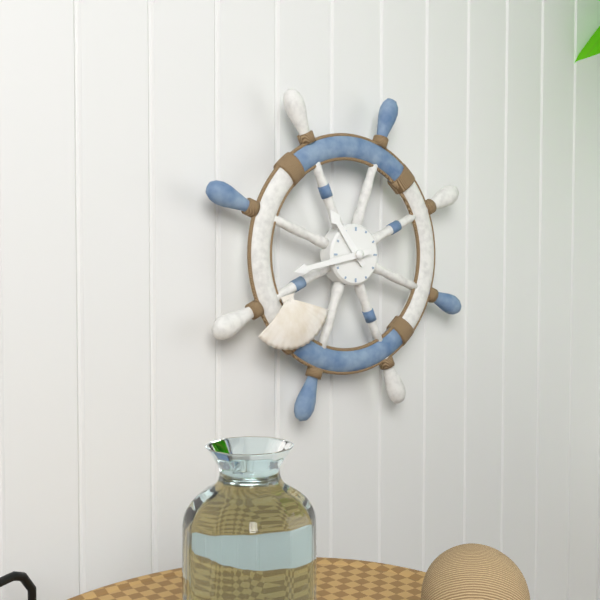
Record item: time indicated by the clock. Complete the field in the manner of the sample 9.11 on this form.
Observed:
10.43
